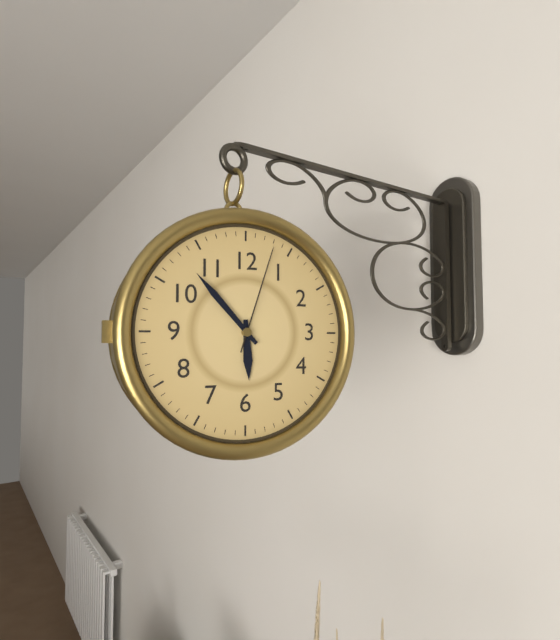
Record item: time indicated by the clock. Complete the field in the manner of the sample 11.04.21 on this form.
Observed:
5.53.03
